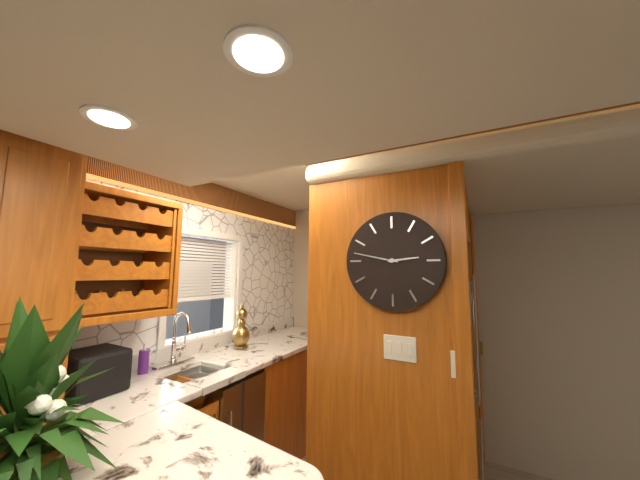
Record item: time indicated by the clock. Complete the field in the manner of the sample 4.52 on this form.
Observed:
2.47
